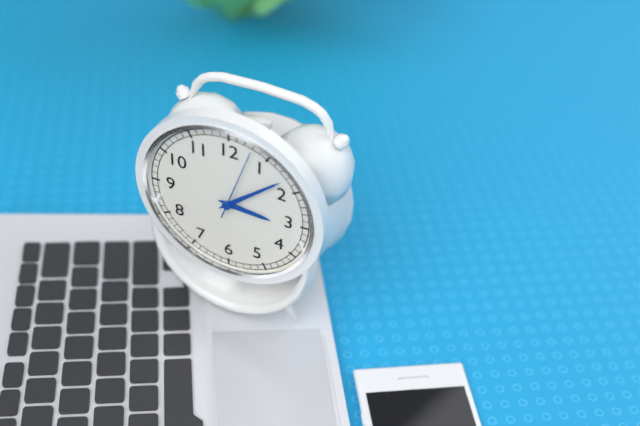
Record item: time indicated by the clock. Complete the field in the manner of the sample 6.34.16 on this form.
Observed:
3.08.03
